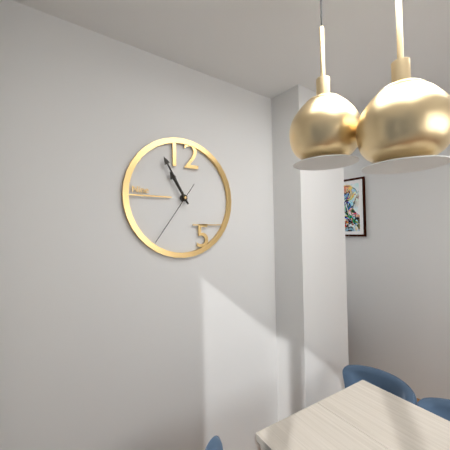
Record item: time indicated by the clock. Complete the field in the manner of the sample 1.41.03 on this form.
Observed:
10.55.36
